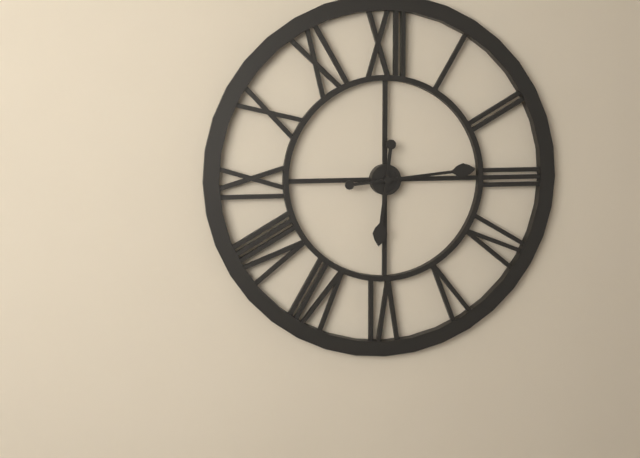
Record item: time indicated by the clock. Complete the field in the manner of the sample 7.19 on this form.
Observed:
6.14
